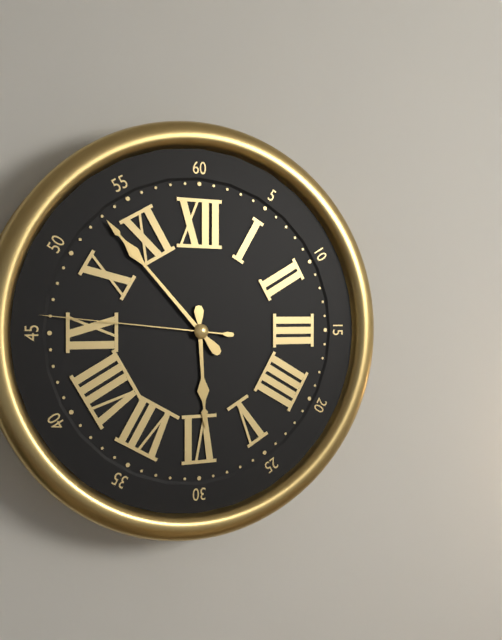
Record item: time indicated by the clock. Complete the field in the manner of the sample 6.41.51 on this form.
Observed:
5.53.46
